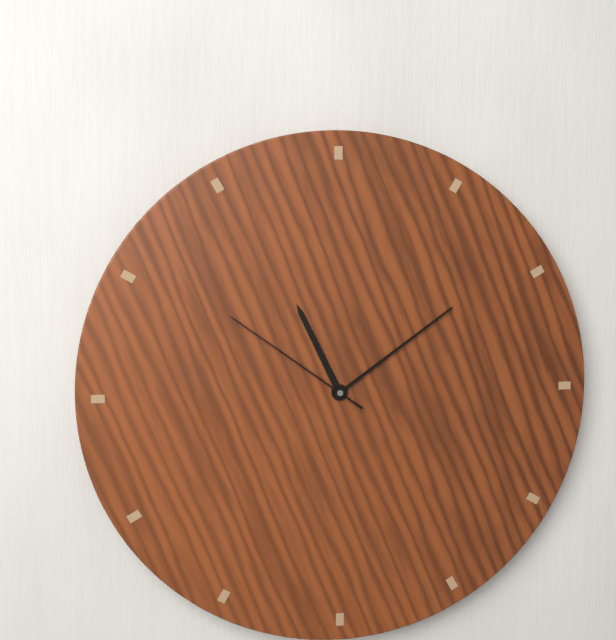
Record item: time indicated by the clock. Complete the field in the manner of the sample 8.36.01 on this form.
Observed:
11.09.51
